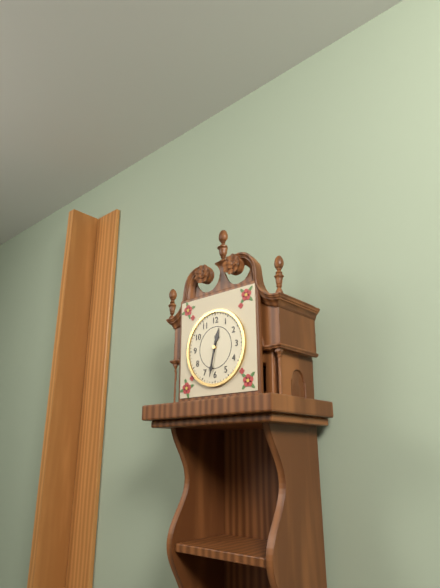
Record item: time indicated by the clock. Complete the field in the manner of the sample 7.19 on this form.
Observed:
12.32
